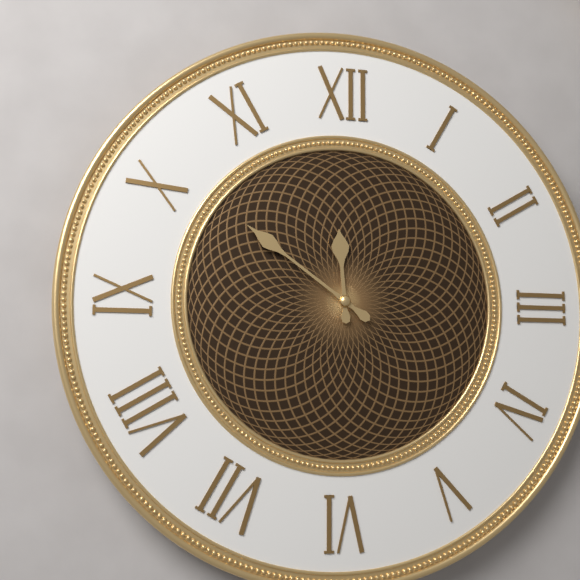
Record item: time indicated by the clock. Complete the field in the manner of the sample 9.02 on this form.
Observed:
11.51
